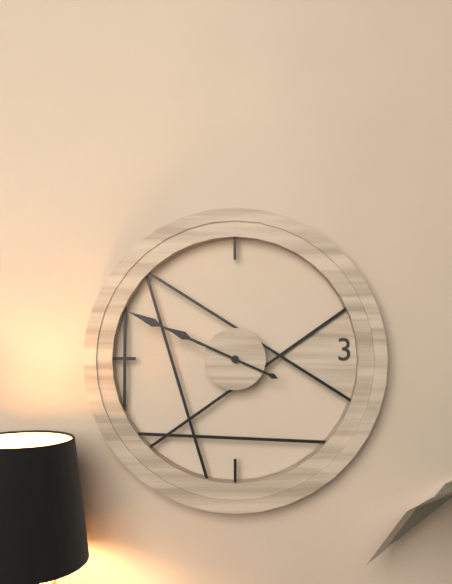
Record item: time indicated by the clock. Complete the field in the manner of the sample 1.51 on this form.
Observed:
9.49
